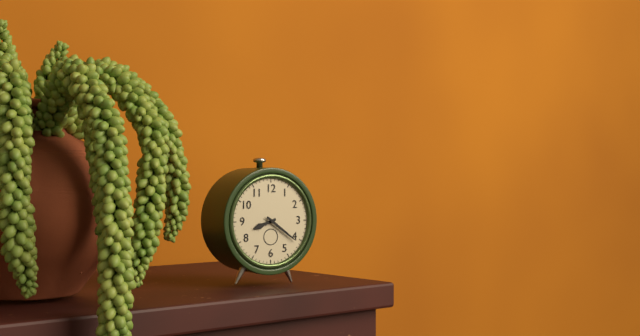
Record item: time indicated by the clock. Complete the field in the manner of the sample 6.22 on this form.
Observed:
8.21
